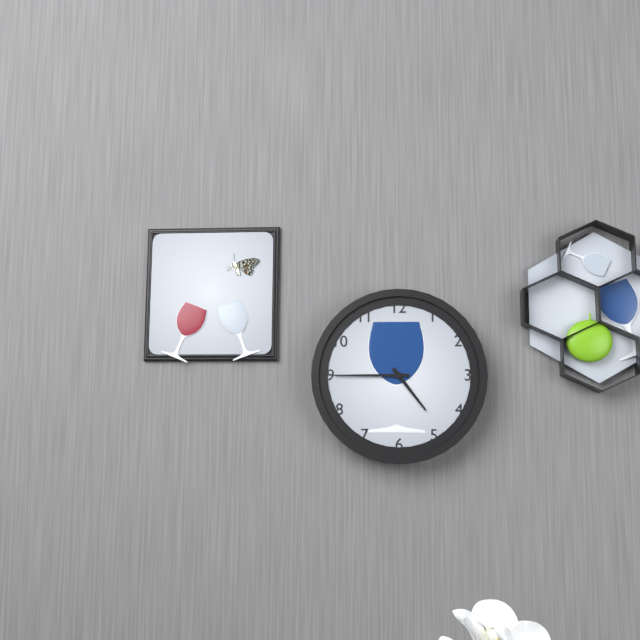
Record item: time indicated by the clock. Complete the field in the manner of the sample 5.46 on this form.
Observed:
4.45
